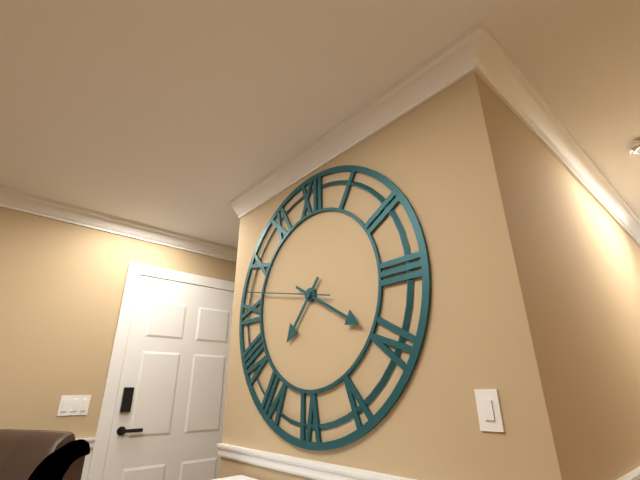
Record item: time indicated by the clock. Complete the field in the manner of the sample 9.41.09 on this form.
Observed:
7.20.47
